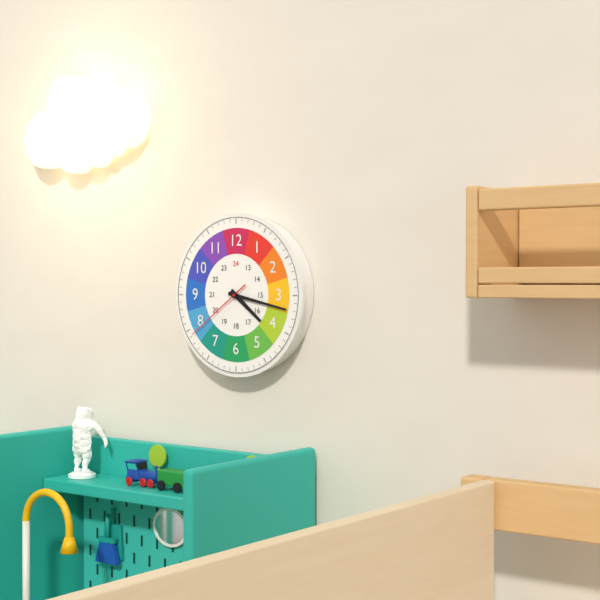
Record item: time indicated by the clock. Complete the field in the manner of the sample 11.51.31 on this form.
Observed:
4.17.39
